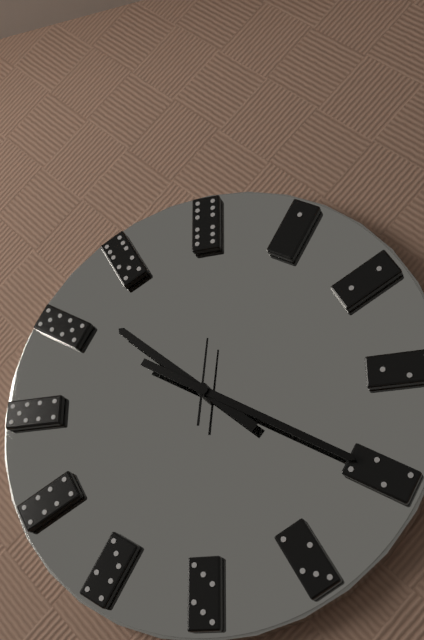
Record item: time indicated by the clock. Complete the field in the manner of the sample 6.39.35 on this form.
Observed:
10.20.01
